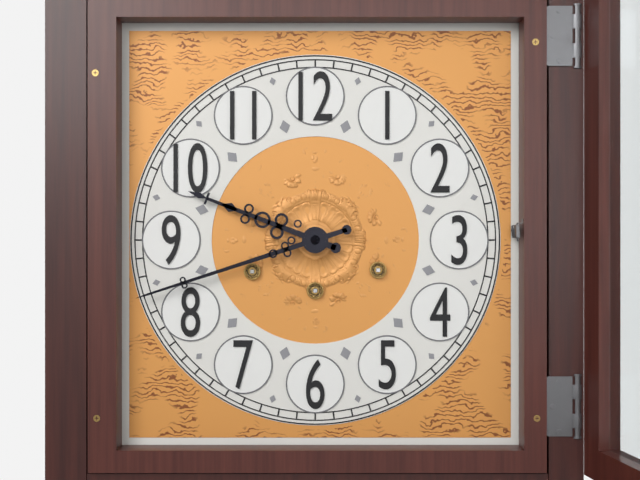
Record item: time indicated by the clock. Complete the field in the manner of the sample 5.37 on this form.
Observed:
9.42
